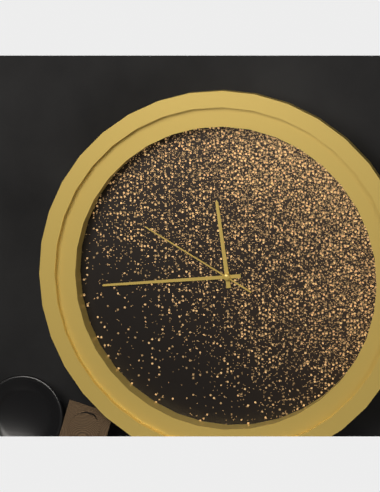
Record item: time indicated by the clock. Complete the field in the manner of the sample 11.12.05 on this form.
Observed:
11.44.50
